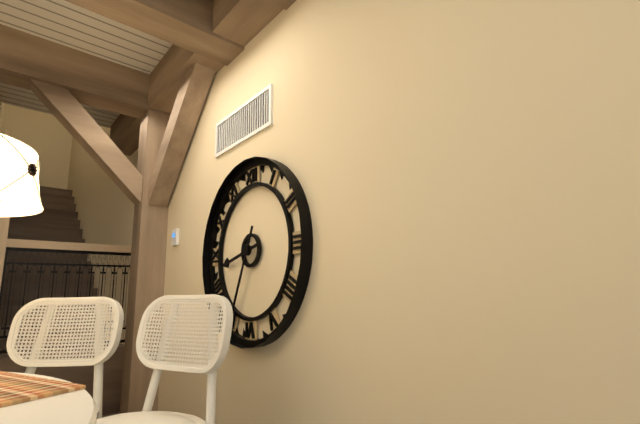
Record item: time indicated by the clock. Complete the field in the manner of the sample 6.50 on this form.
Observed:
8.34
